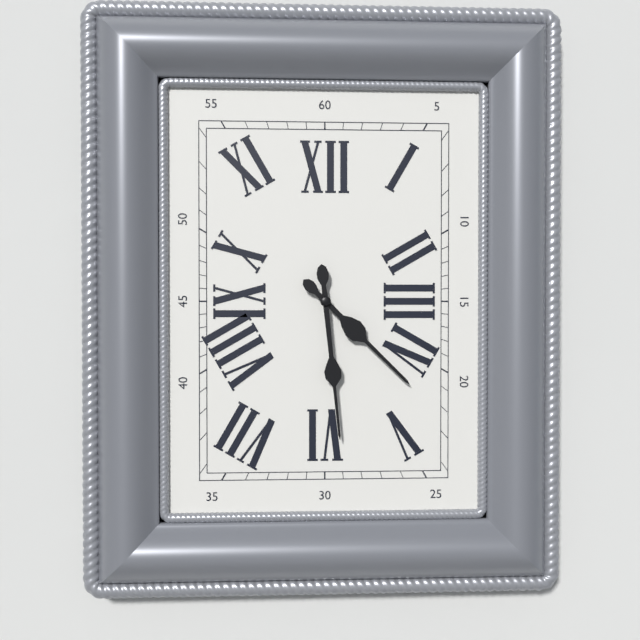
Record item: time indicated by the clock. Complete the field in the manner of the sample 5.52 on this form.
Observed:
4.29
